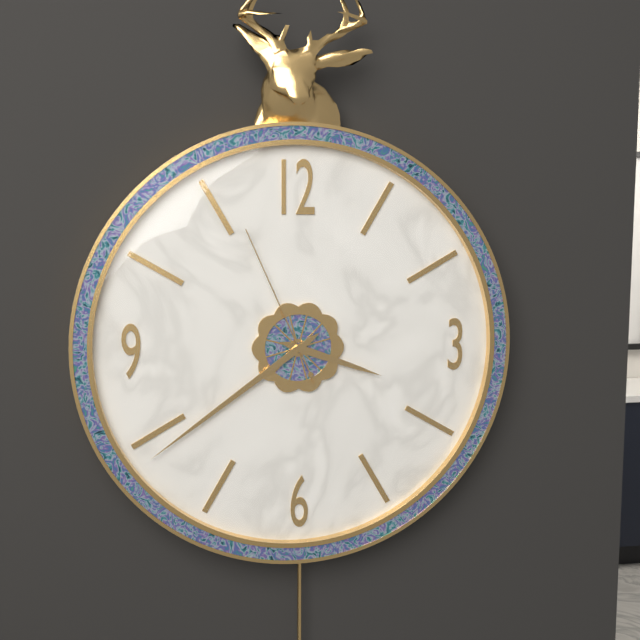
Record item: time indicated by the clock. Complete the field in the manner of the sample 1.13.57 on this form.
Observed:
3.39.56
